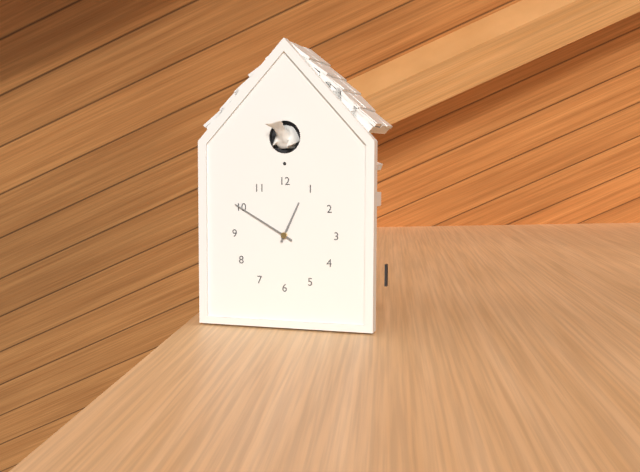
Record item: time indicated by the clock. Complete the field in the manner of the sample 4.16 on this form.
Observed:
12.50
